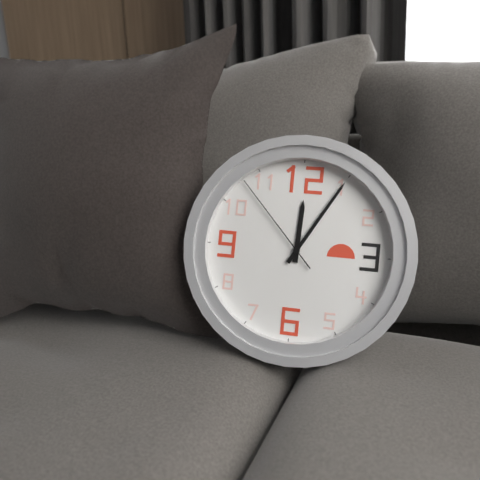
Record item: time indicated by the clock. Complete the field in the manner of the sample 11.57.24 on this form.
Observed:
12.05.53
